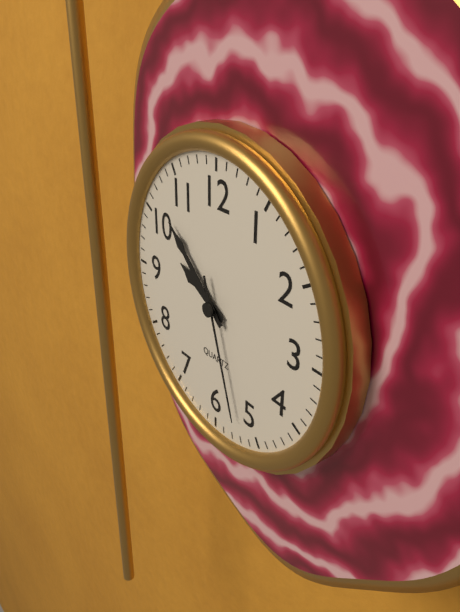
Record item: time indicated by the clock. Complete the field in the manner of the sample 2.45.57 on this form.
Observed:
9.52.27
